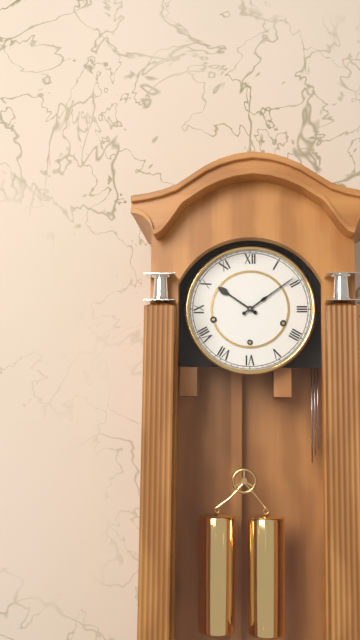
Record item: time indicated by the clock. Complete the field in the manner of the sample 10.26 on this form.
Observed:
10.09
